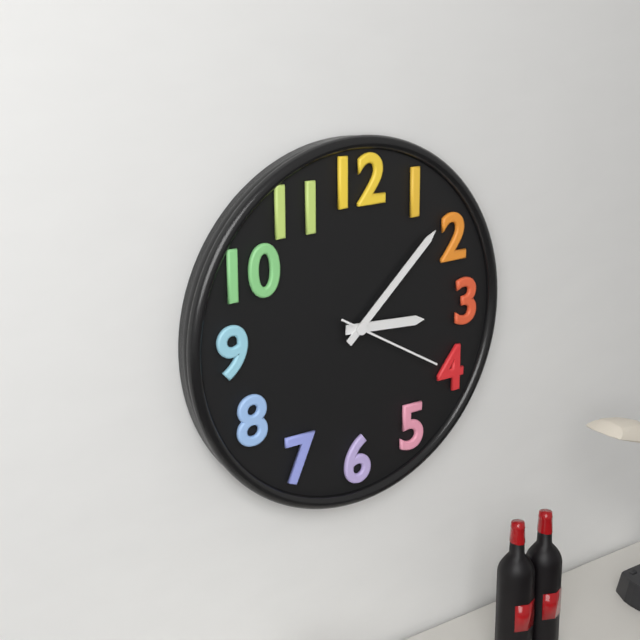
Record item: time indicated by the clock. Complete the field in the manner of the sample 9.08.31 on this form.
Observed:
3.08.20
